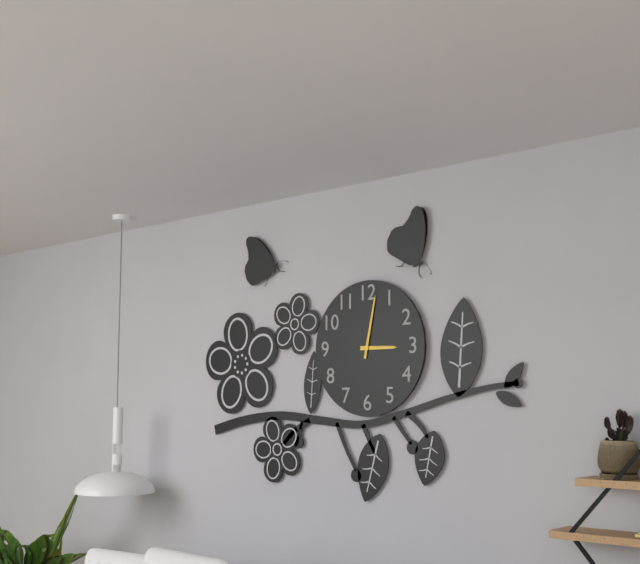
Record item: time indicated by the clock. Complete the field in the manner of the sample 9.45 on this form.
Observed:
3.02
